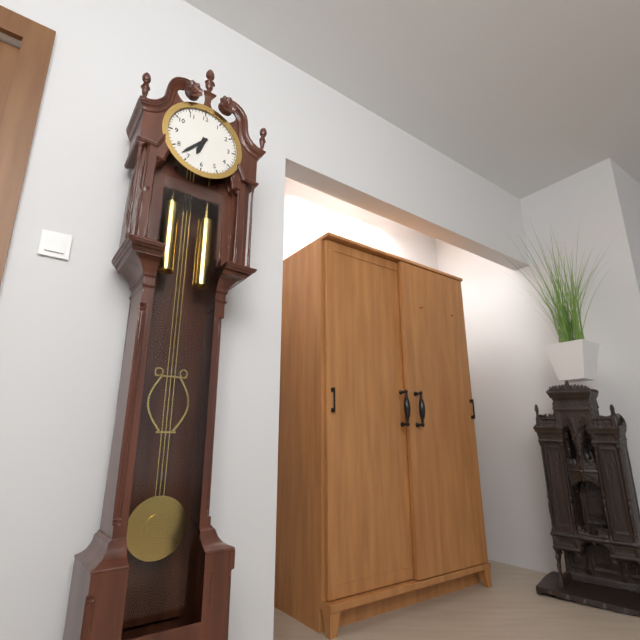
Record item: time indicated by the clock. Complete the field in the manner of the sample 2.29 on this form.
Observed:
6.37
